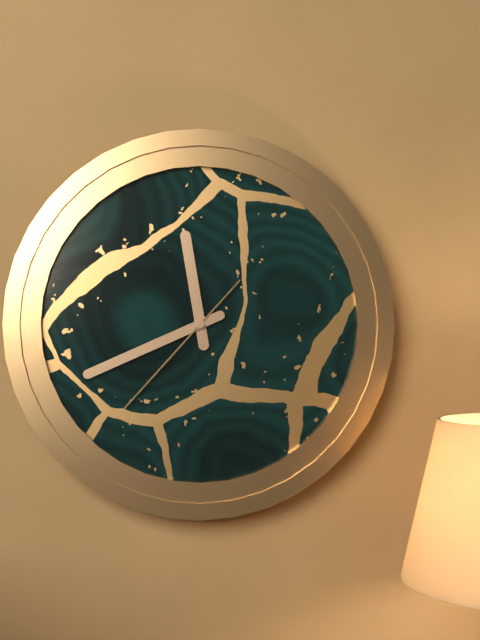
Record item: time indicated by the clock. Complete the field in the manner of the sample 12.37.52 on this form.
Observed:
11.41.37
